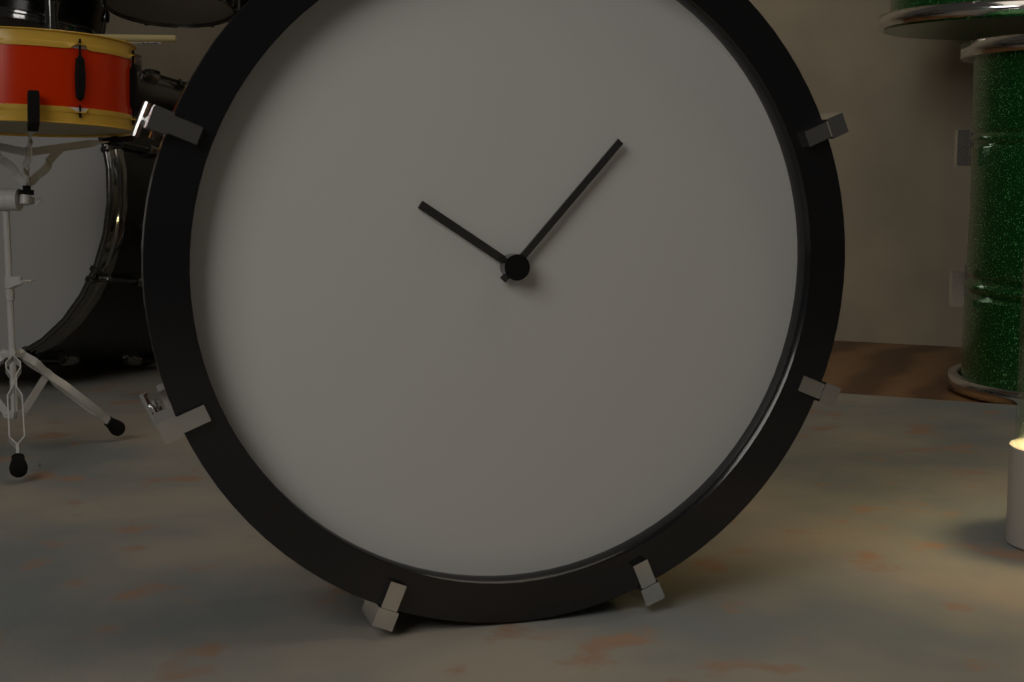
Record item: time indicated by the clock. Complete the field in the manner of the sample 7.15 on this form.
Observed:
10.07
